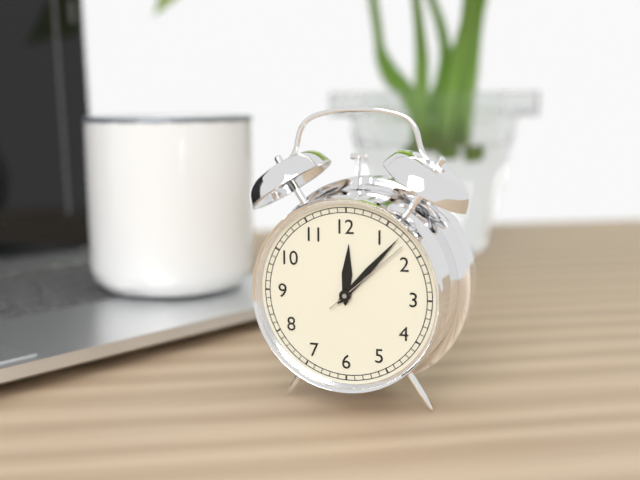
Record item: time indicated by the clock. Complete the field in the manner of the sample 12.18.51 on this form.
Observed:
12.07.08
